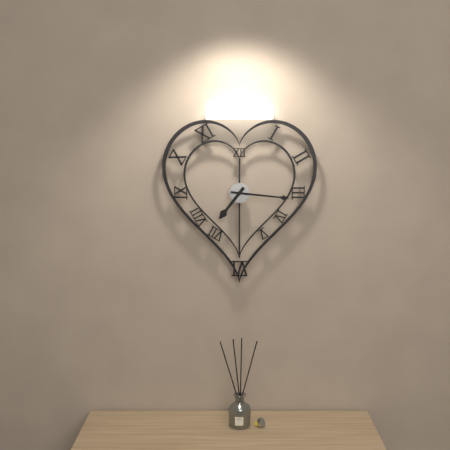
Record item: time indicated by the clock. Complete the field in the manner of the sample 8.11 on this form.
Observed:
7.16
